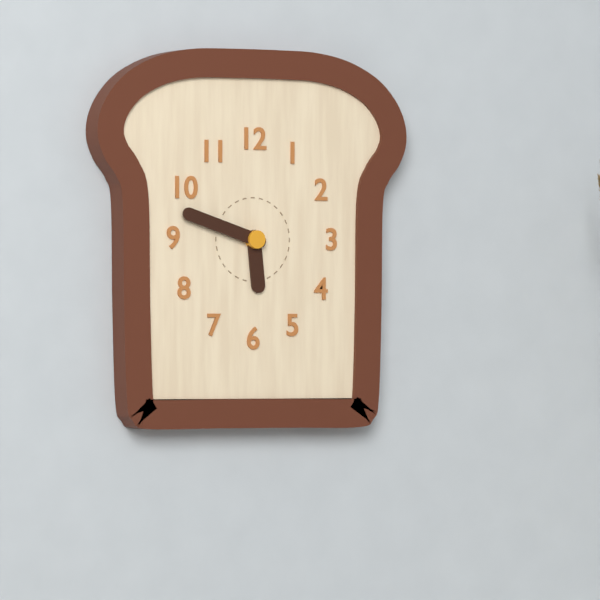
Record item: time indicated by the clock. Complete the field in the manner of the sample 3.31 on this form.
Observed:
5.48
